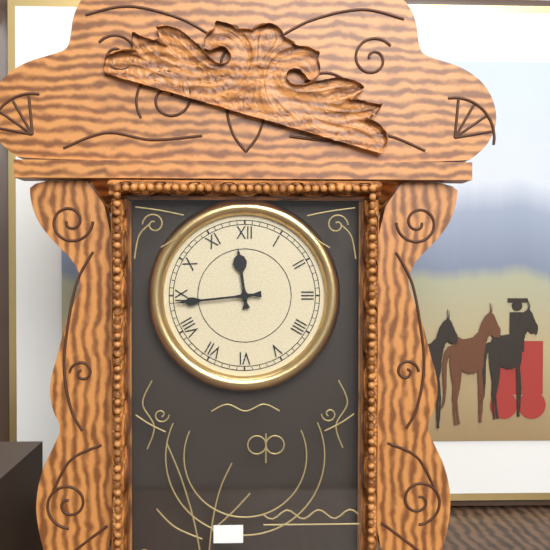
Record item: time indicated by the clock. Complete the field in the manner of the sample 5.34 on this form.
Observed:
11.44
